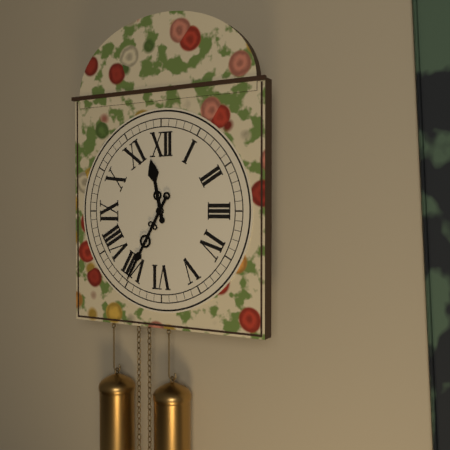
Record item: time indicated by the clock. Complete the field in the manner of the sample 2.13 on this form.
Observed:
11.35
